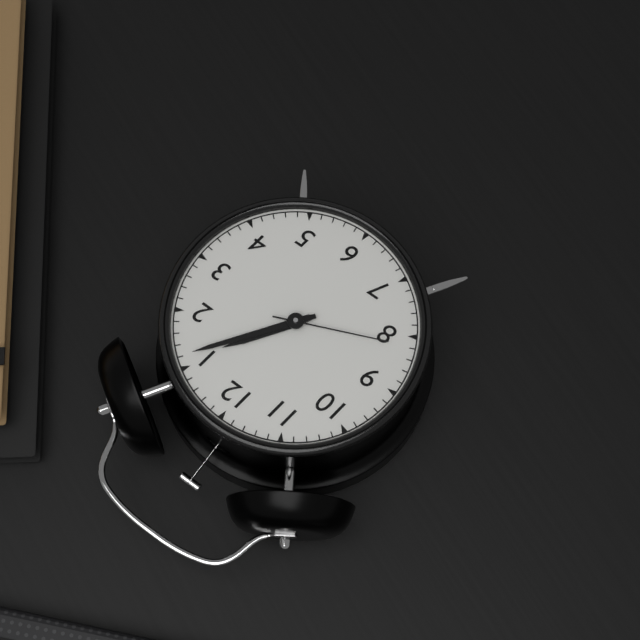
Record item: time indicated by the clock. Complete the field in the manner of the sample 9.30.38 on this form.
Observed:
1.06.41
